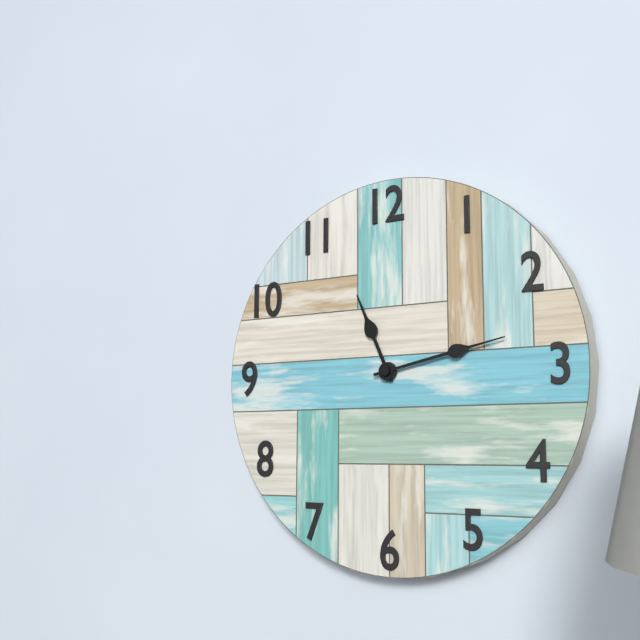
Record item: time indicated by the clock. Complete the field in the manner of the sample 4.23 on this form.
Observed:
11.13
